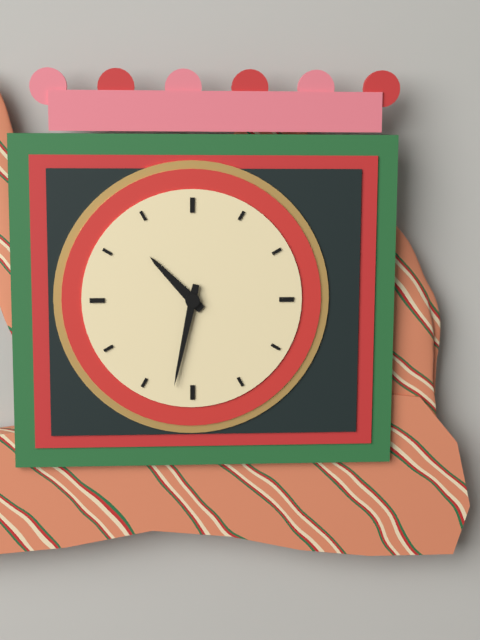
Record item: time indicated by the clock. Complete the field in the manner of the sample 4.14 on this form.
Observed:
10.32
